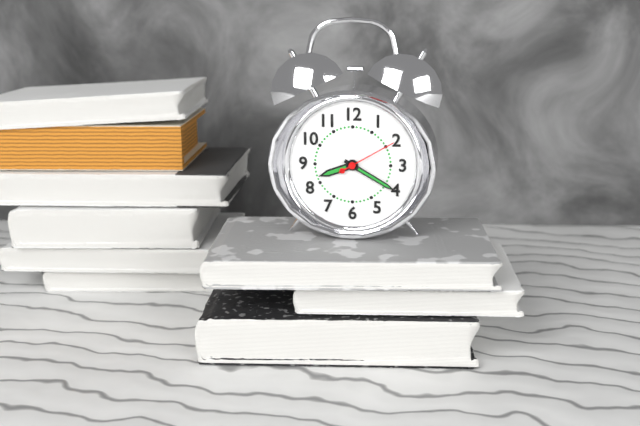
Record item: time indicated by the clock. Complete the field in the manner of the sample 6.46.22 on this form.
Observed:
8.20.10
